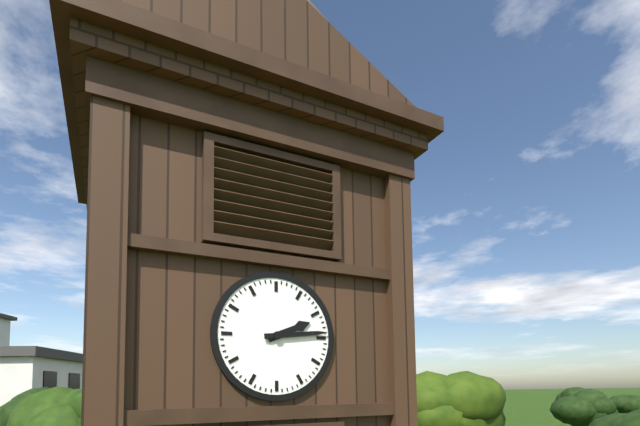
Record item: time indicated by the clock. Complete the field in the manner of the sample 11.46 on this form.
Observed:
2.14
